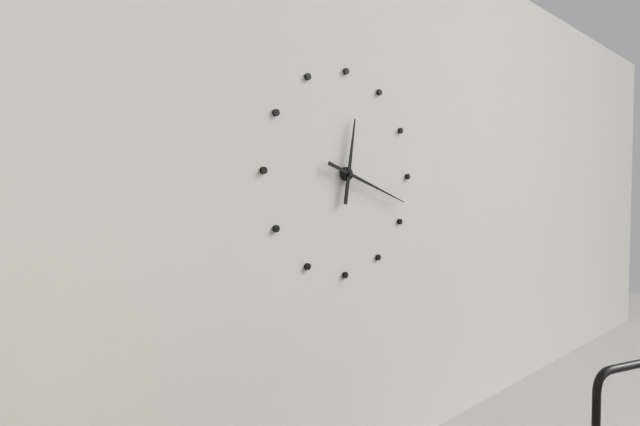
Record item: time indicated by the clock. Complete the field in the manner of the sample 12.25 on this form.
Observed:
12.18
